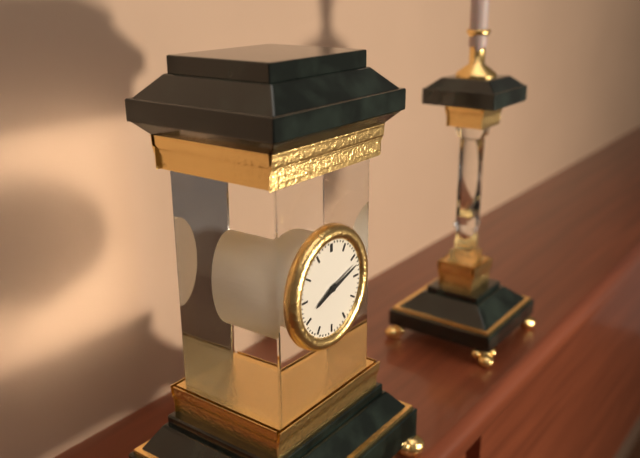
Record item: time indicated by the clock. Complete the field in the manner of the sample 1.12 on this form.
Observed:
8.12
